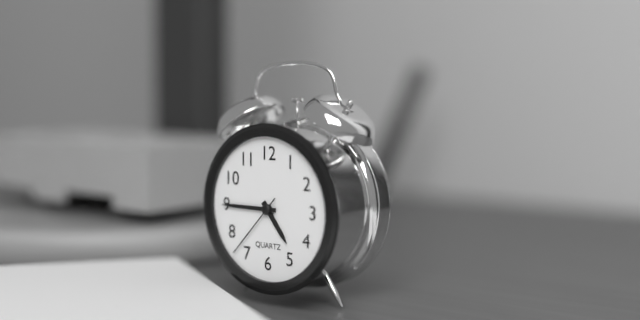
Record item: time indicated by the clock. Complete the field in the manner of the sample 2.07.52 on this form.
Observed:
4.45.37
